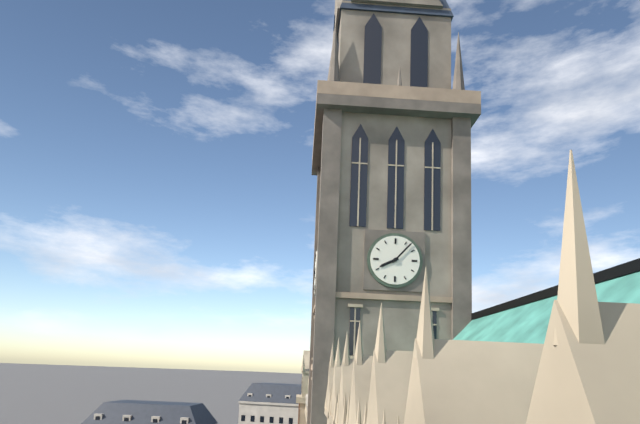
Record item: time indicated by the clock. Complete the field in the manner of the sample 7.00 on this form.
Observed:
8.07
